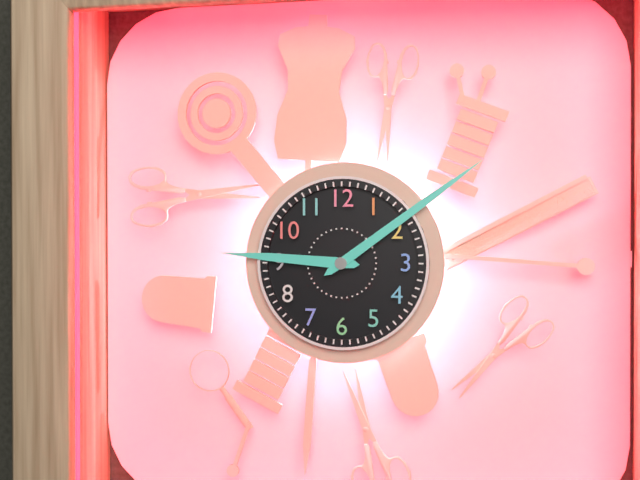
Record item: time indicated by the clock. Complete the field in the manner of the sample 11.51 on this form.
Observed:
9.09
